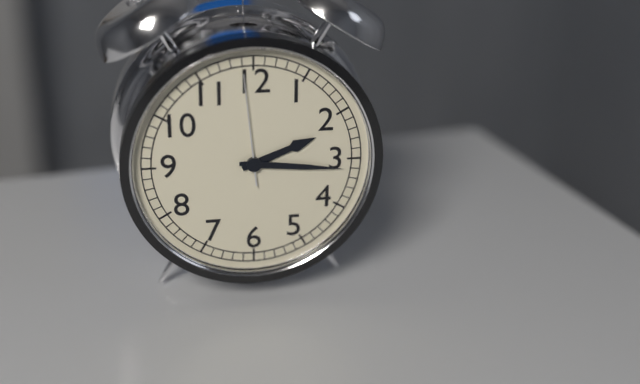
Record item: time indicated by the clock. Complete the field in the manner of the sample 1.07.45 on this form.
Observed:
2.16.59
